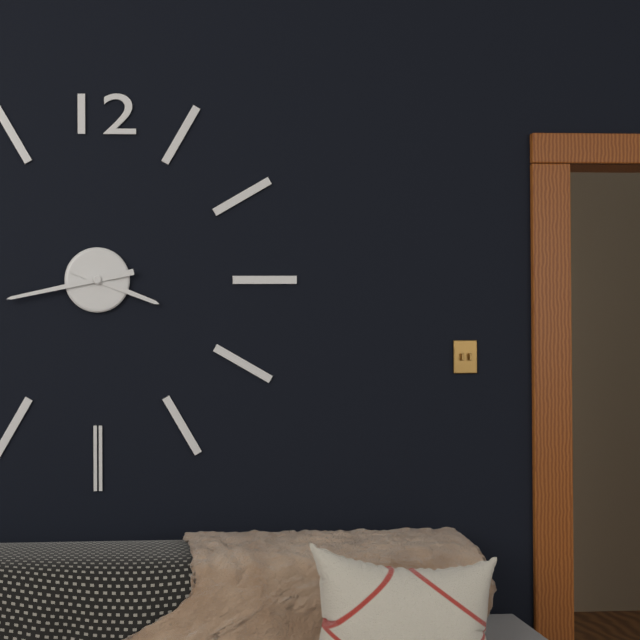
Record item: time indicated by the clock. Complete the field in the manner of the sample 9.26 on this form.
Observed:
3.43
